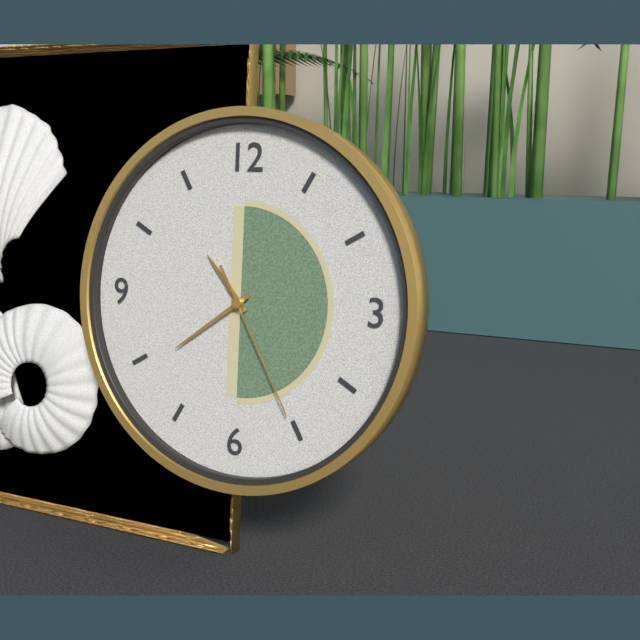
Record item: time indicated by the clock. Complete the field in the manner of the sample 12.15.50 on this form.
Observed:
10.39.25
